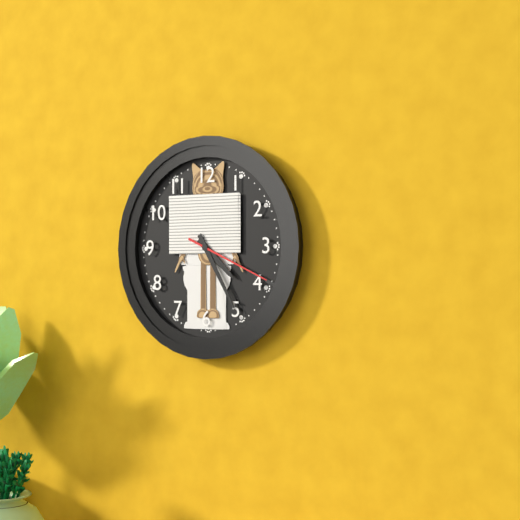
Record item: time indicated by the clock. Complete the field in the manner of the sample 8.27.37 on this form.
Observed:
4.25.19
